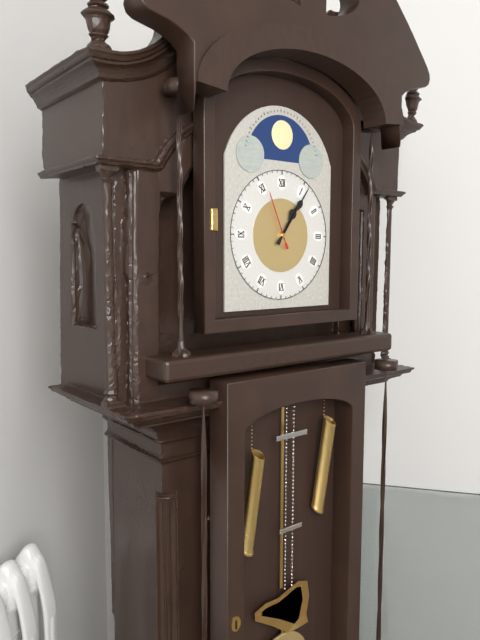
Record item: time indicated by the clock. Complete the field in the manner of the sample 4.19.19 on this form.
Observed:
1.06.56
